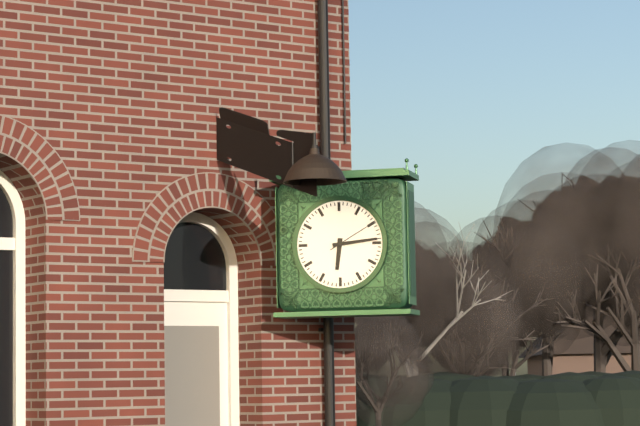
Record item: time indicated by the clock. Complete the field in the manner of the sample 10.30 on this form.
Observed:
6.14
